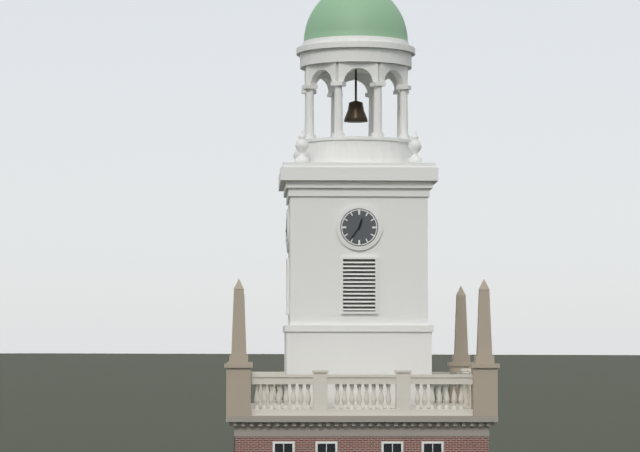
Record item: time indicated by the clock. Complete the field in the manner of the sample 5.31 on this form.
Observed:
12.36
